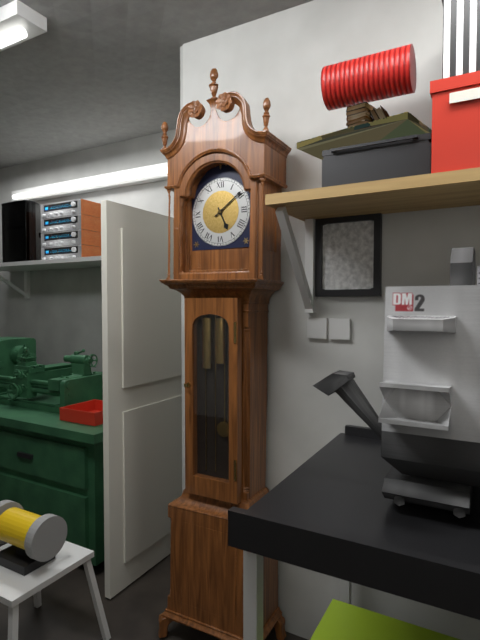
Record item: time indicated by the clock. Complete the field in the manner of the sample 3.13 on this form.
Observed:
5.09
